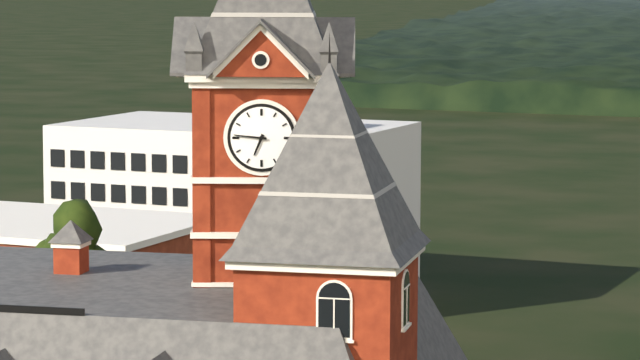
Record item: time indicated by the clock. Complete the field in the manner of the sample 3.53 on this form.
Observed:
6.46
